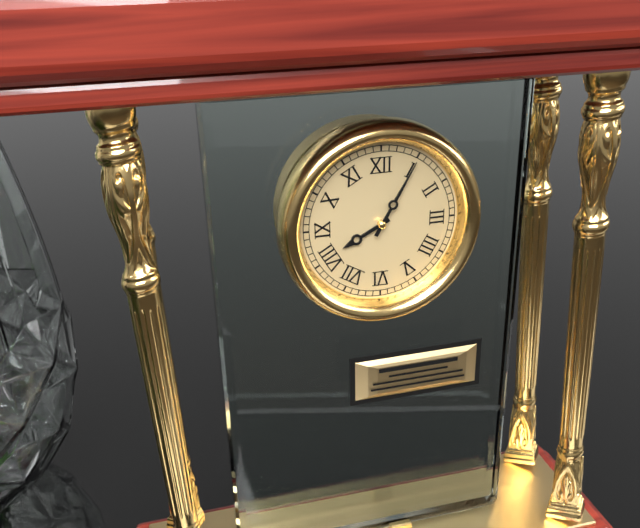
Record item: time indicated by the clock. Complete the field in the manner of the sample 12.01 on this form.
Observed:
8.05
